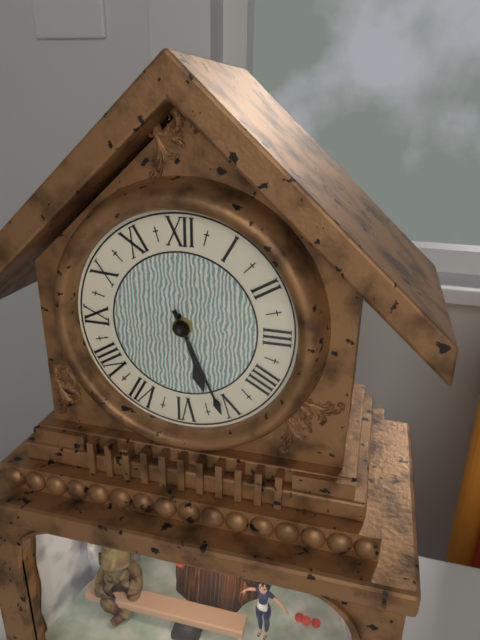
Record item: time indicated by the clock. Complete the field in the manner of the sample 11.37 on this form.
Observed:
5.26
